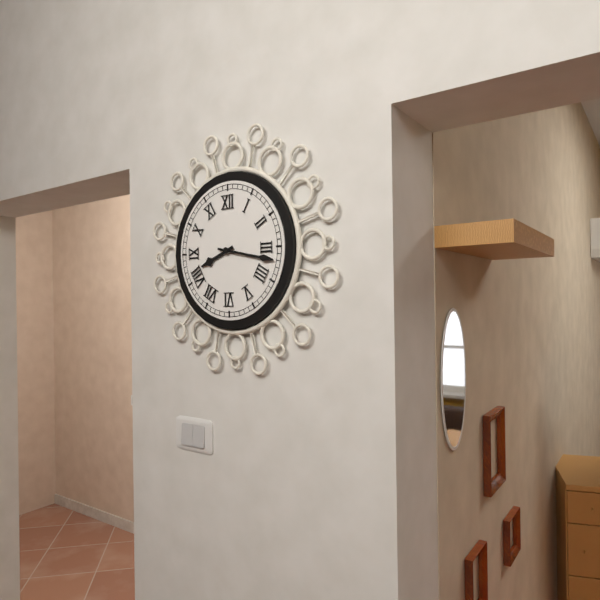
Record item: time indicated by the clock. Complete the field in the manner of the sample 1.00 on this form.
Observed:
8.17
